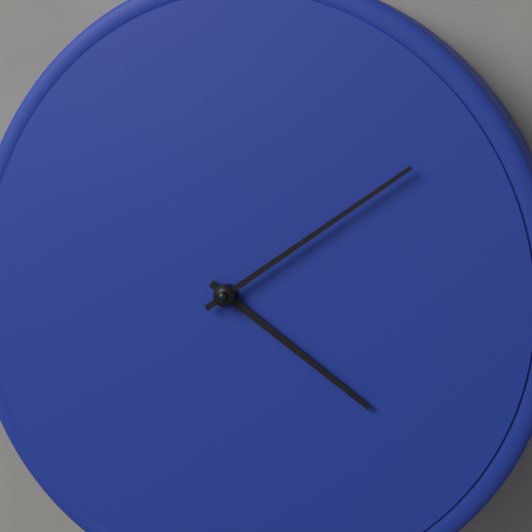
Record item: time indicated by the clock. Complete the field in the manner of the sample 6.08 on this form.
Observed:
4.09
